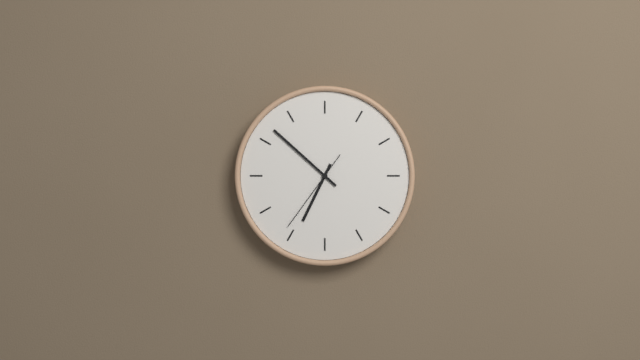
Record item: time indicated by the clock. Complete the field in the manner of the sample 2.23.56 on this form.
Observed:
6.52.36
